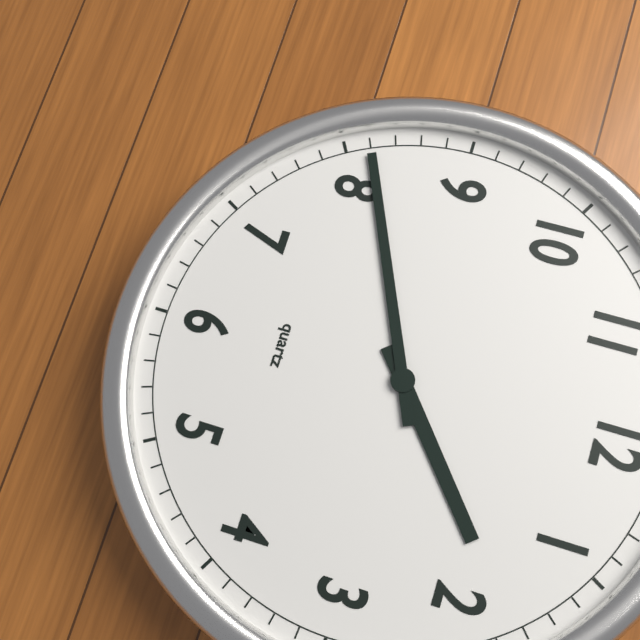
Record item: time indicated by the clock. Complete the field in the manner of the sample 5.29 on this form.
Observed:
1.41
